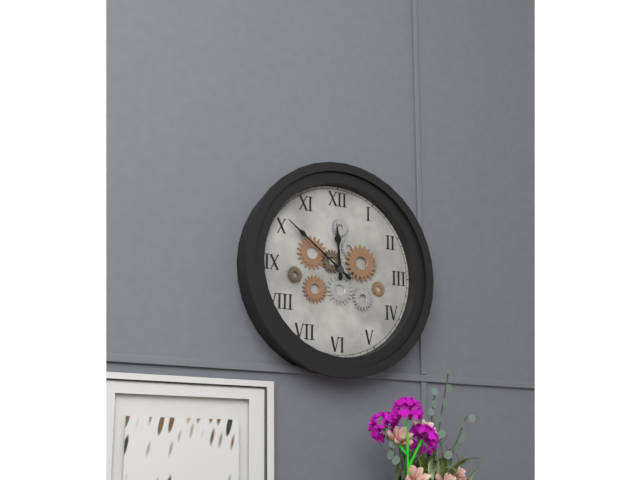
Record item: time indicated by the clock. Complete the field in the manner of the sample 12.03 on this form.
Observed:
11.51
